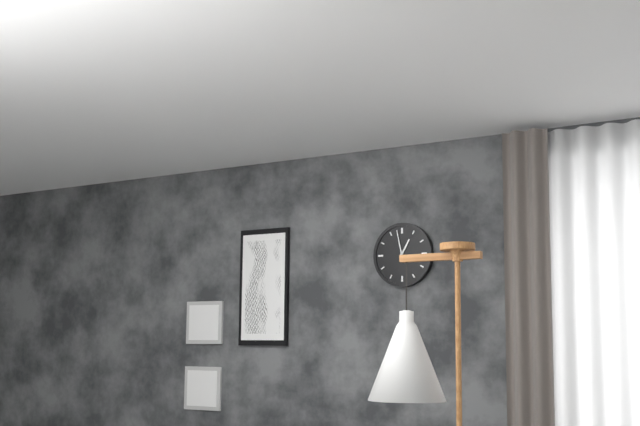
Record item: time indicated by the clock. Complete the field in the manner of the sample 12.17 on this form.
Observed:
12.58
